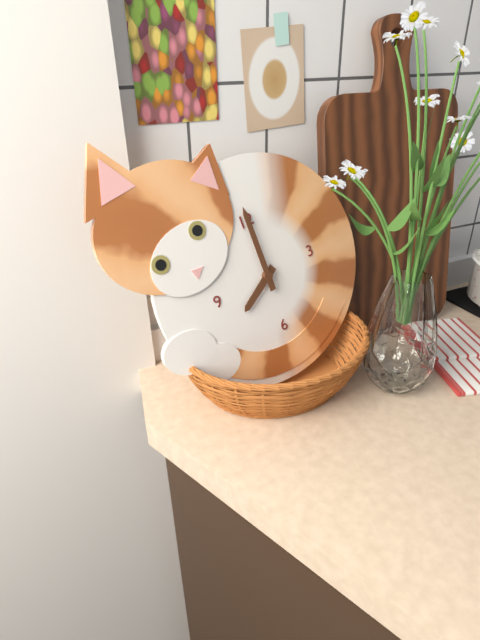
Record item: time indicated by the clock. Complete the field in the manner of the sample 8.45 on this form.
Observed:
8.00
